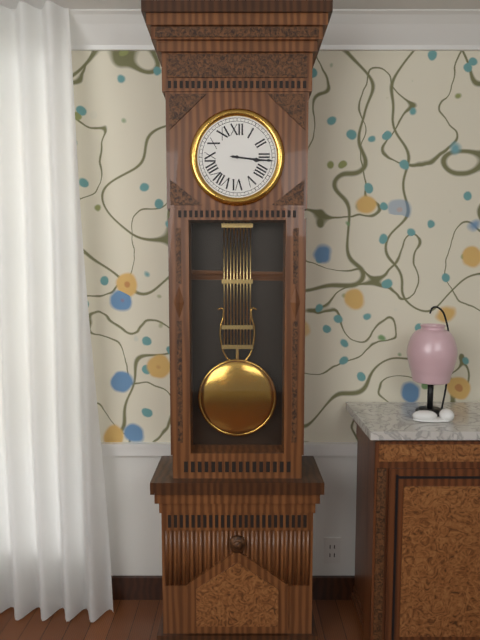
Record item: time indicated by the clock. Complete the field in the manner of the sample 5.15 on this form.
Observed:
3.16
